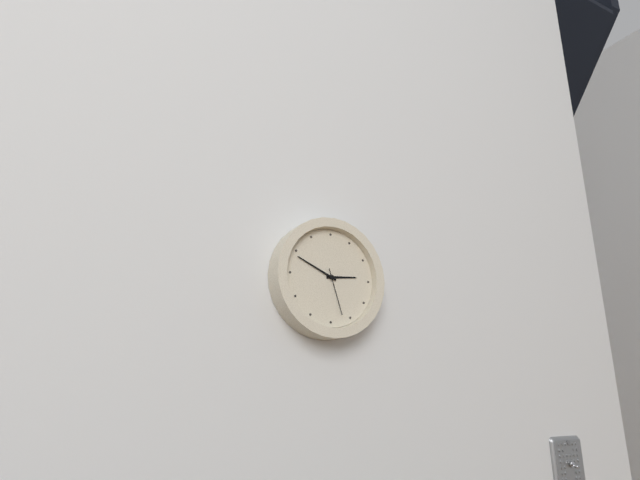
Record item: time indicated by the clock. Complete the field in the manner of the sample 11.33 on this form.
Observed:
2.49
